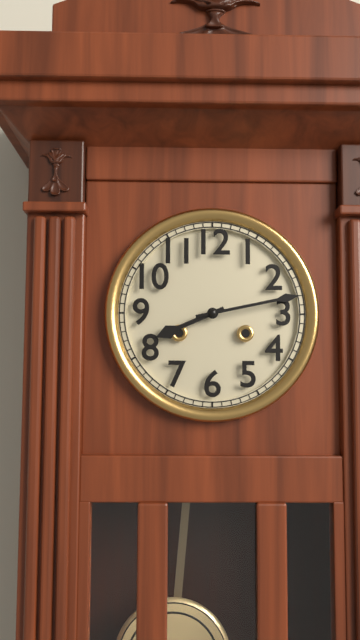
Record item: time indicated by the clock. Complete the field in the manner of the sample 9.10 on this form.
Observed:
8.13
